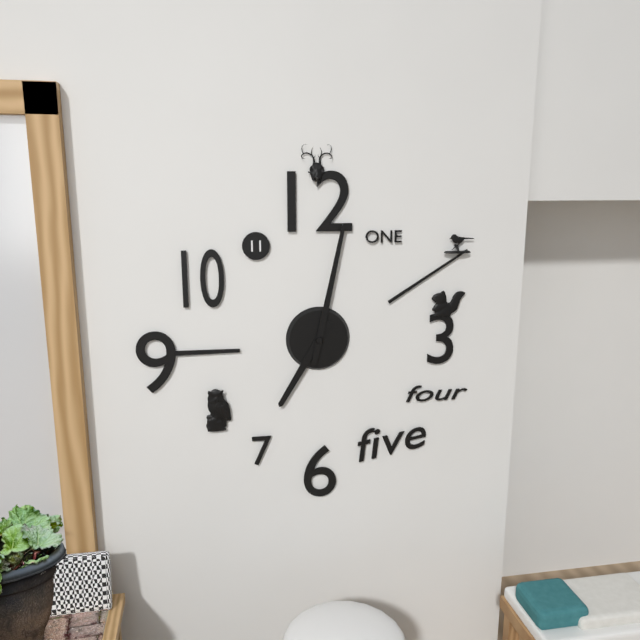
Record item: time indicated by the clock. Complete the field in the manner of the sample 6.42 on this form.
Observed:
7.02
